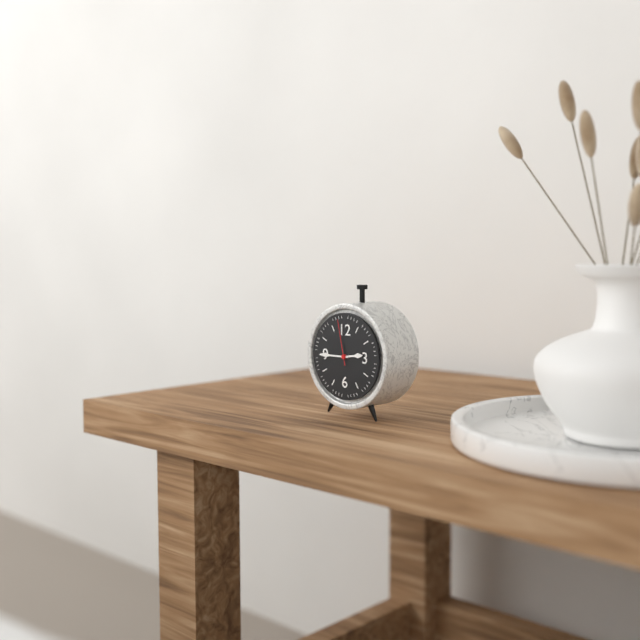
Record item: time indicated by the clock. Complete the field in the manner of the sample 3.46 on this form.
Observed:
2.45
